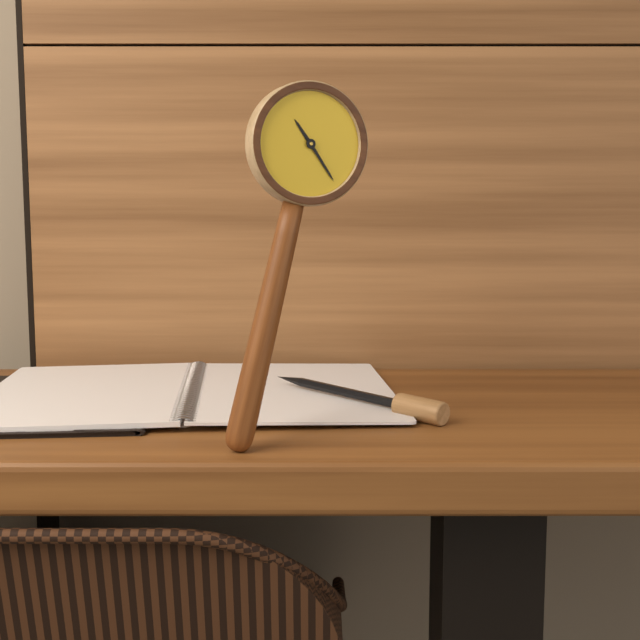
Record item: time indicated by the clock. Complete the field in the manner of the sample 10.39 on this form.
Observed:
10.22
